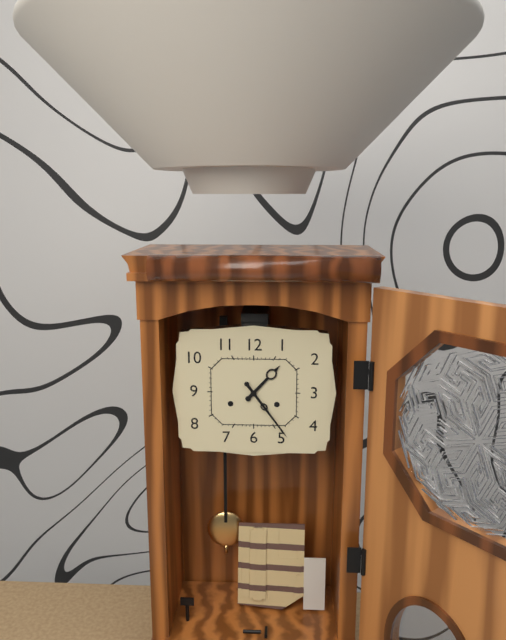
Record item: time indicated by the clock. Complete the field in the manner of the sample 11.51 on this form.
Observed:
1.24
